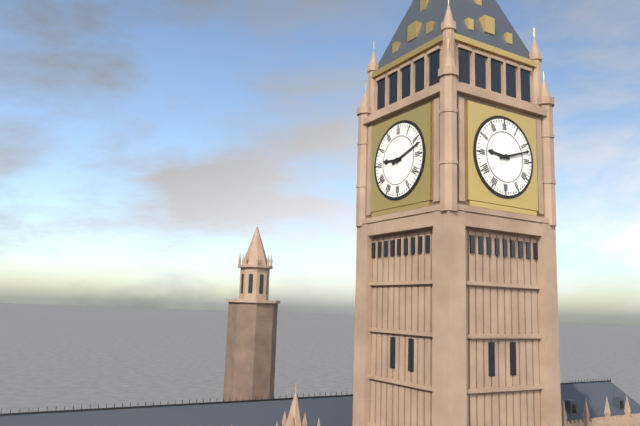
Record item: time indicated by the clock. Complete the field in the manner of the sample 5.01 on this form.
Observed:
9.12
